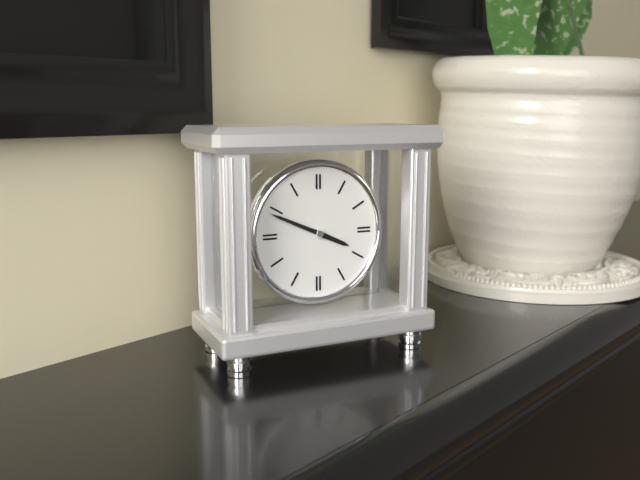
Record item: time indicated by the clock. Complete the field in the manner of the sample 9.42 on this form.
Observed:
3.49
